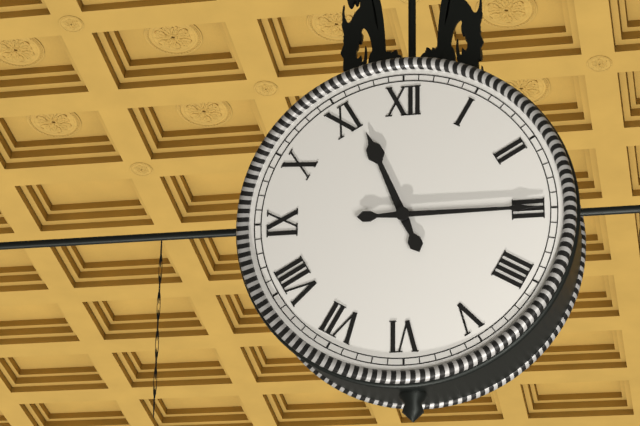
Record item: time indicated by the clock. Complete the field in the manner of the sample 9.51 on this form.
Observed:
11.15
